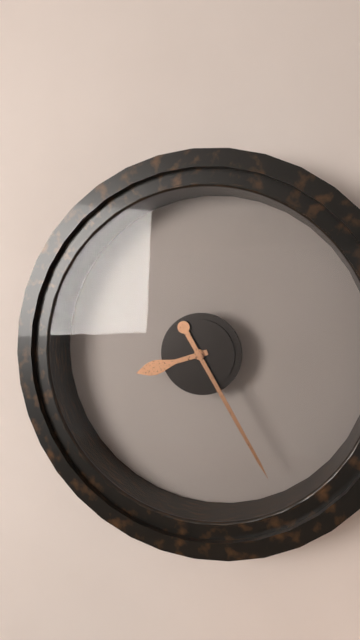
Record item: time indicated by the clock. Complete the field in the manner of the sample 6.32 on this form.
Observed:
8.25
